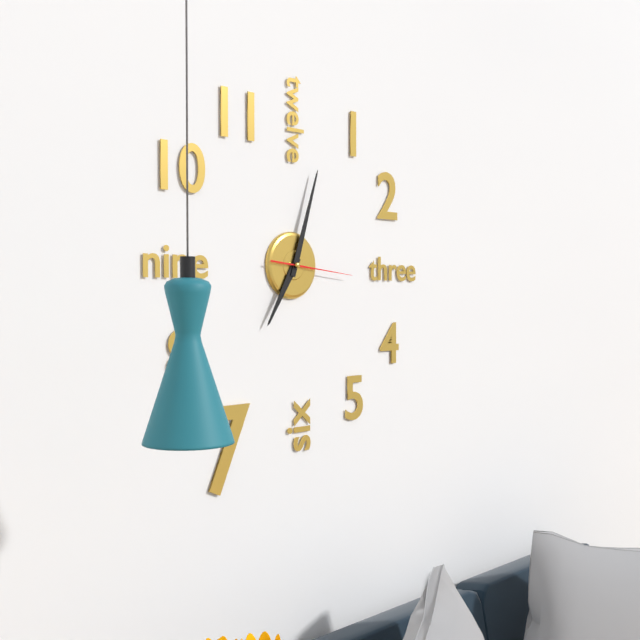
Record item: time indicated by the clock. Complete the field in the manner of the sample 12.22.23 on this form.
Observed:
7.03.16
